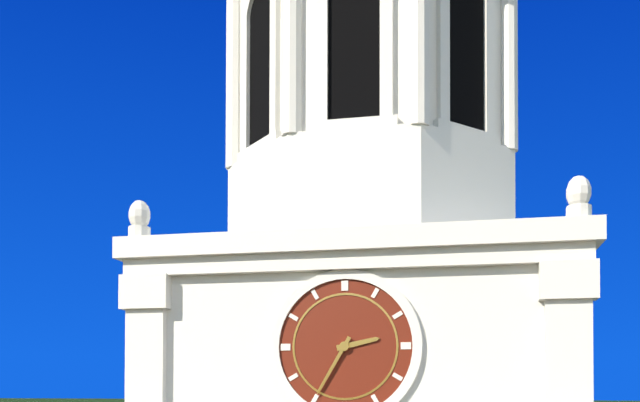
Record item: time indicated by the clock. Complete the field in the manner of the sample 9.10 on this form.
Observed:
2.35
